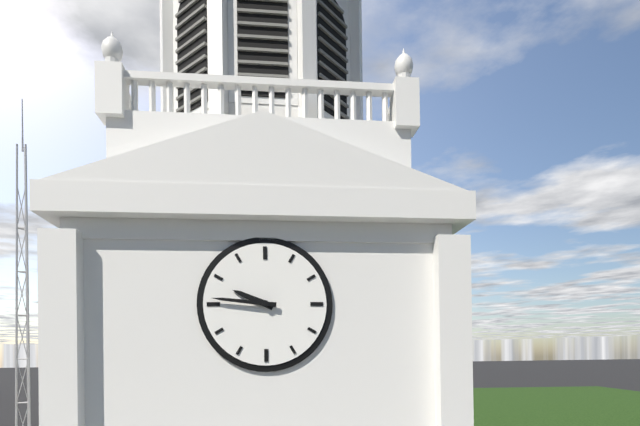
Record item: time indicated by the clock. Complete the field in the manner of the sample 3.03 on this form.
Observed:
9.46
